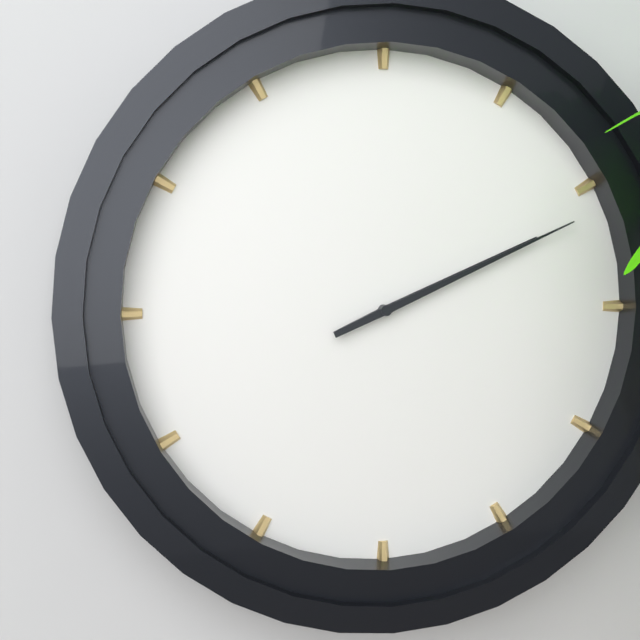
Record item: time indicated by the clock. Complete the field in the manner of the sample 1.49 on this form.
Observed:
2.11
